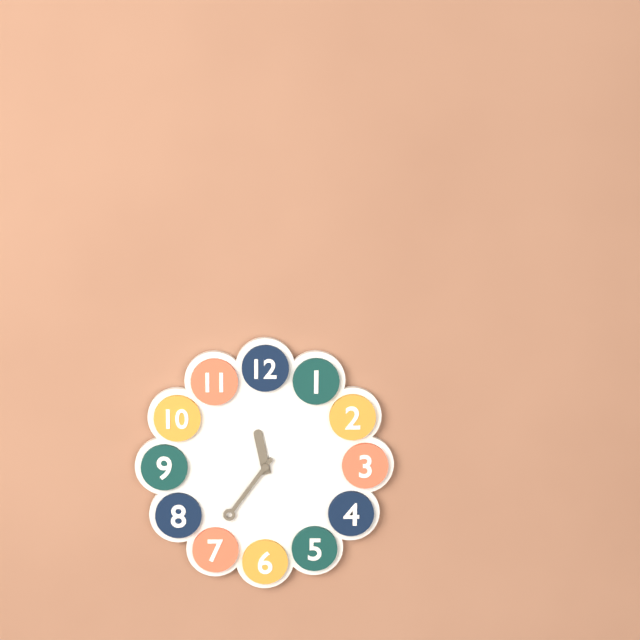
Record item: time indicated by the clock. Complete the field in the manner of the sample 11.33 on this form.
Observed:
11.36
